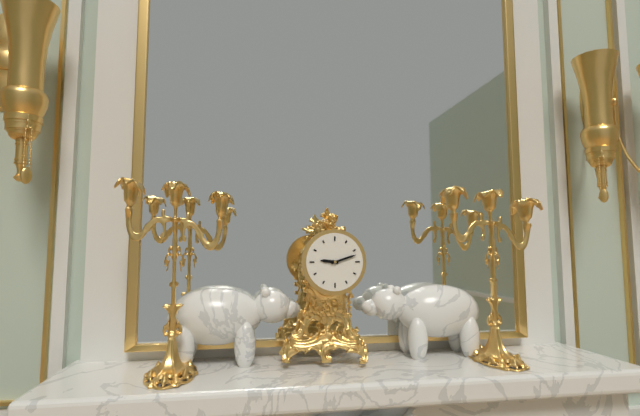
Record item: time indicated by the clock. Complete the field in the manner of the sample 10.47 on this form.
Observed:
9.12
